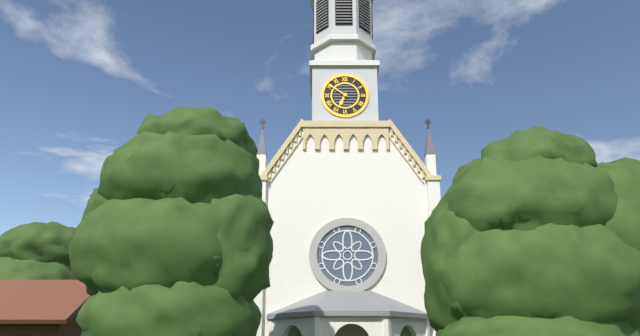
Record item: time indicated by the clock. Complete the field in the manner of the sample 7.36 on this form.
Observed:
6.51
